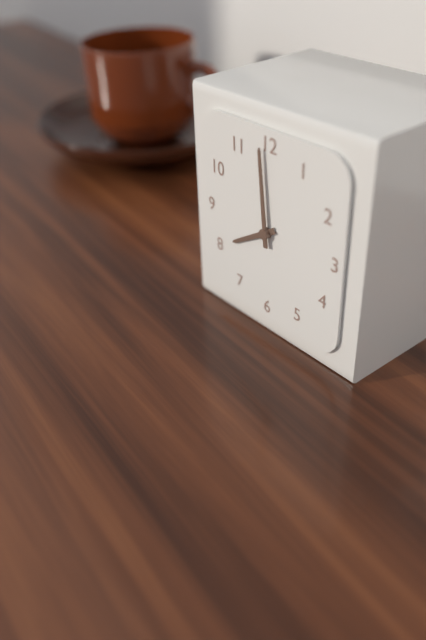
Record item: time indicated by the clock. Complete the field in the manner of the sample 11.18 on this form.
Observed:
7.59
